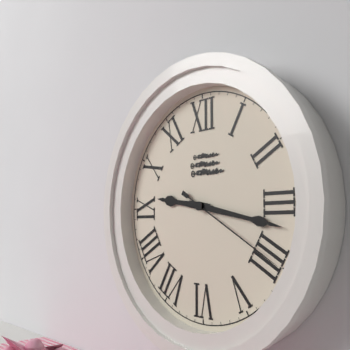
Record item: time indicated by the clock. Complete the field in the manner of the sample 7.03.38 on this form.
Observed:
9.17.20
